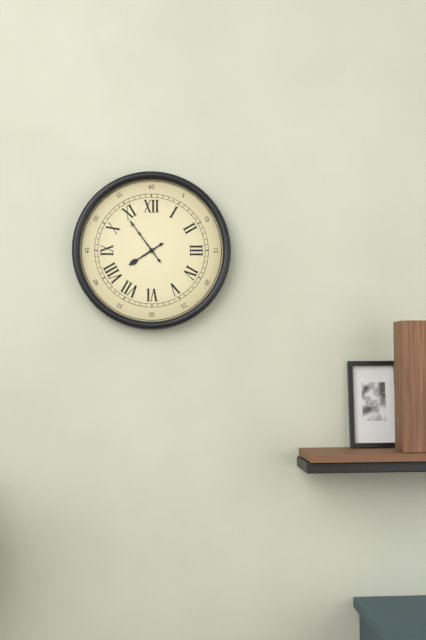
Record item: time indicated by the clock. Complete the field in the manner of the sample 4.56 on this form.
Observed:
7.54
